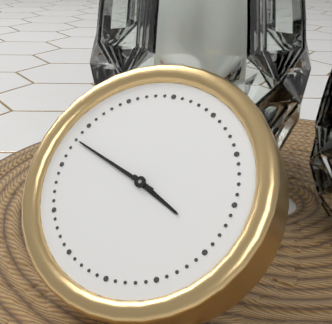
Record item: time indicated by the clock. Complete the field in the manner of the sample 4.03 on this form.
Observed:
3.48
